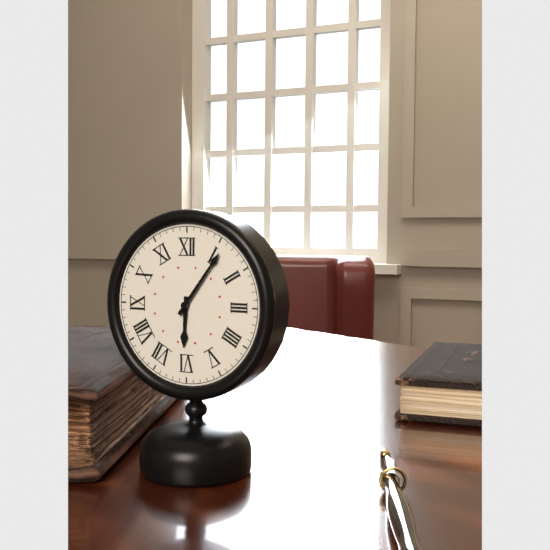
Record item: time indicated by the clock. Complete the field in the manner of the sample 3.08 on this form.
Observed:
6.06
